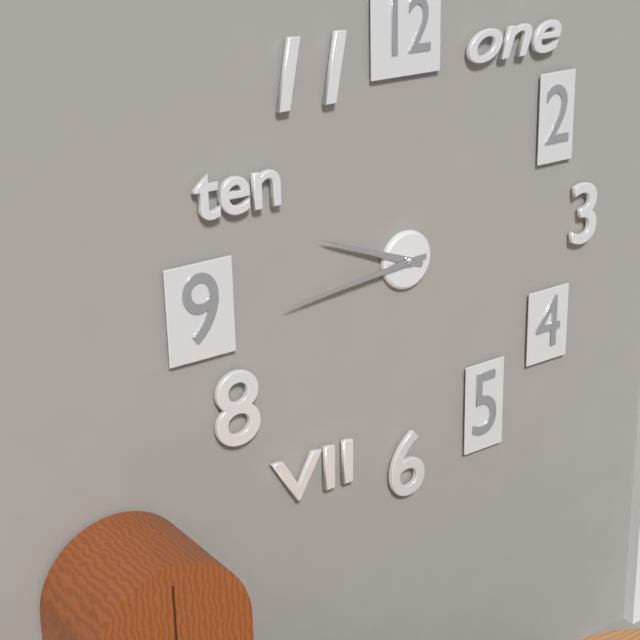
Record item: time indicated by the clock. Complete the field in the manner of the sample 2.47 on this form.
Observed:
9.44
